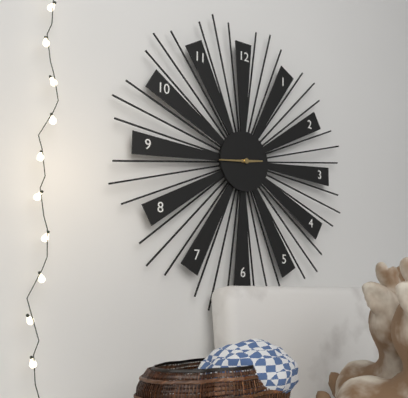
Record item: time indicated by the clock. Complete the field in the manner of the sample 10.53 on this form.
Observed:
2.44
